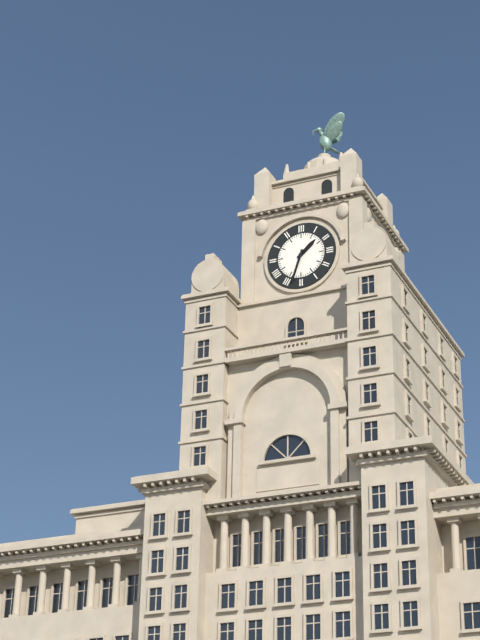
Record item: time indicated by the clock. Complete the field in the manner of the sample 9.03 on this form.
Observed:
1.33
